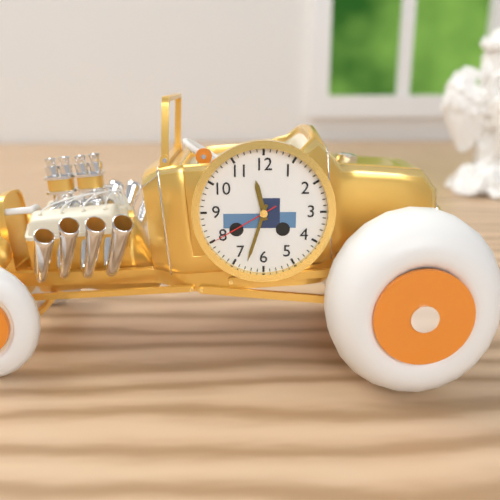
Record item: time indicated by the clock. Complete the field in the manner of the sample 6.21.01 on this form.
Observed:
11.33.40
